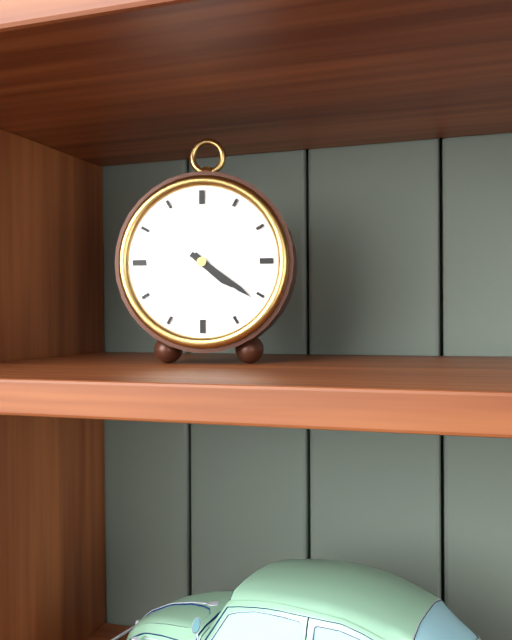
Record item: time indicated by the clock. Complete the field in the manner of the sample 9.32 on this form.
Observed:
4.21
